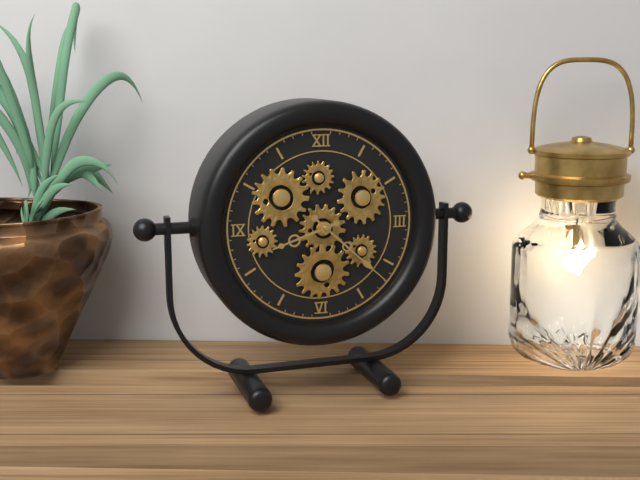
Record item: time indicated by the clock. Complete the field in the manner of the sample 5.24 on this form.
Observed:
8.22
